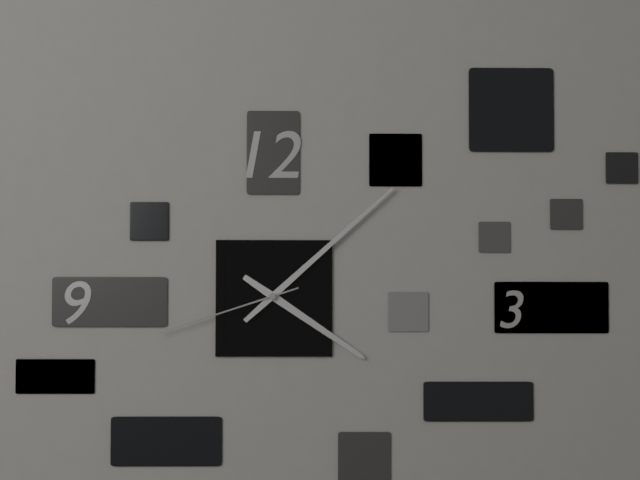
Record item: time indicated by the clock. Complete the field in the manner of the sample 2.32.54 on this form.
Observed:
4.08.42
